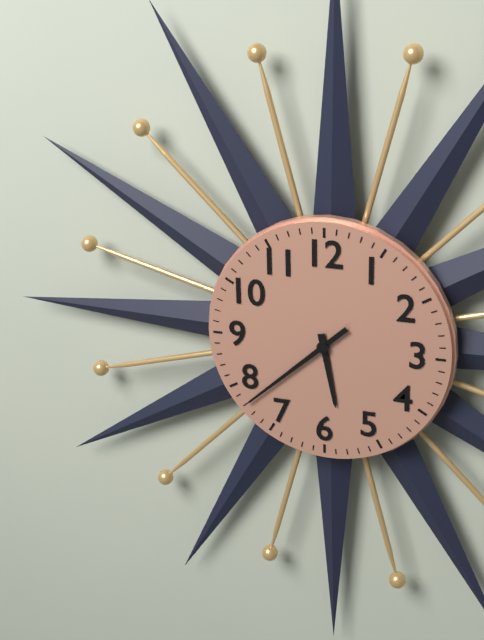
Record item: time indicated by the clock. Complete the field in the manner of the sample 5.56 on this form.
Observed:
5.38
